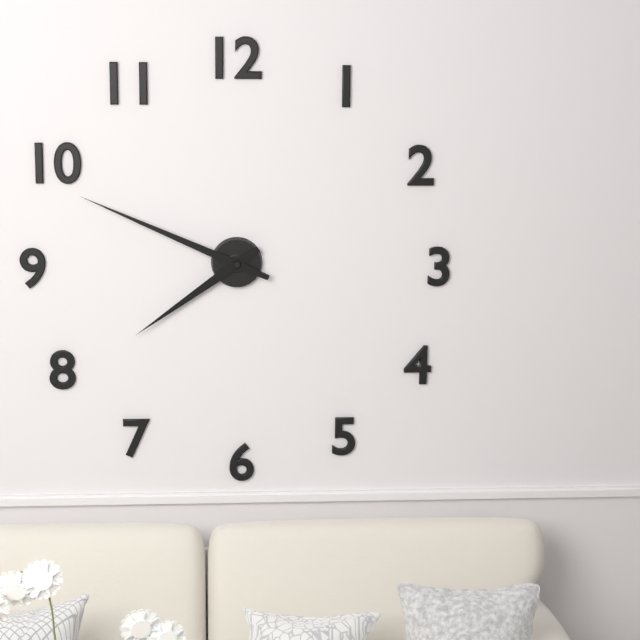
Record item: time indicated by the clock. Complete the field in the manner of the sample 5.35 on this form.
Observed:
7.49
